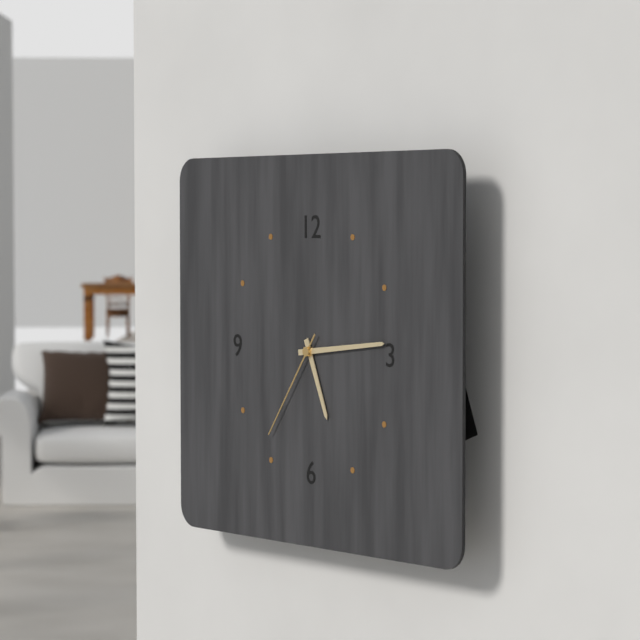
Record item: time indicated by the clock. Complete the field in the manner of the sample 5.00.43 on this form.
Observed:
5.14.36
